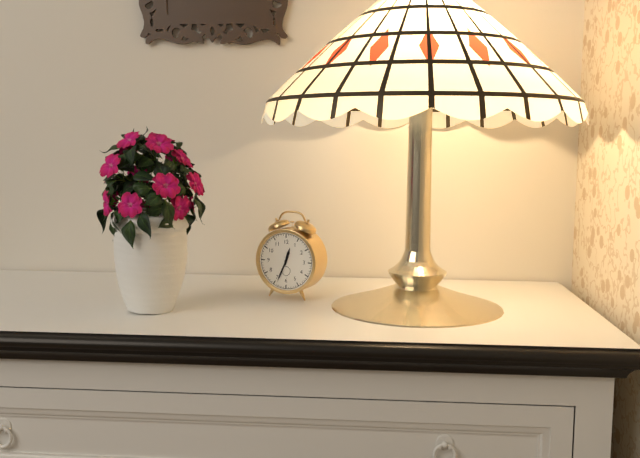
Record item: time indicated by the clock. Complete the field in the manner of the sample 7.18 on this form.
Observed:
12.34
